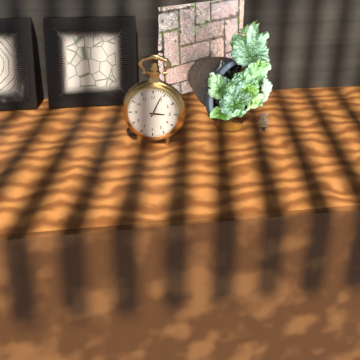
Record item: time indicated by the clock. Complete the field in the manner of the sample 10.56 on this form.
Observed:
3.04
